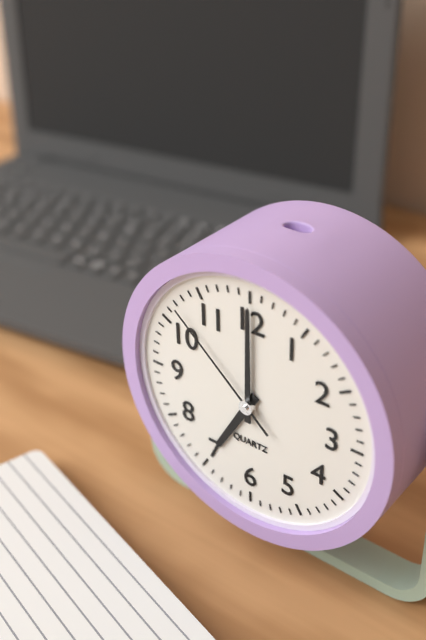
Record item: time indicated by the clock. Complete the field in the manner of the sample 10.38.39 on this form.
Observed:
7.00.52
